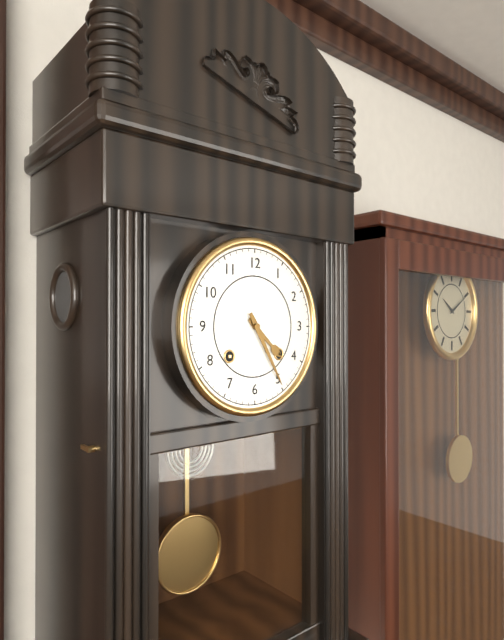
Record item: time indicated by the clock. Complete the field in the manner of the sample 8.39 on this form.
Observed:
4.25
